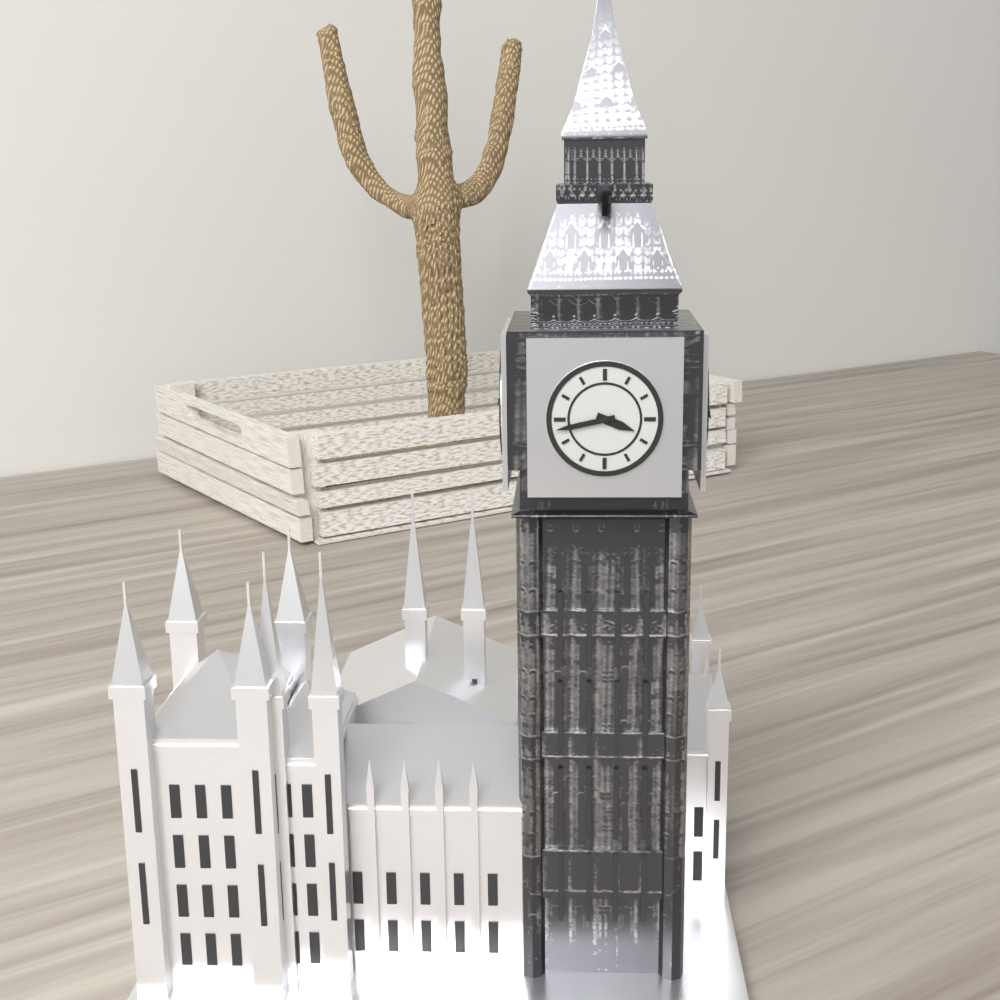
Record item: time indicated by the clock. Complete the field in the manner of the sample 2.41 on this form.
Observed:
3.43
